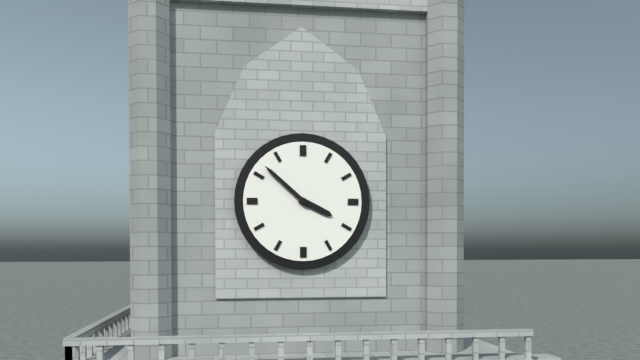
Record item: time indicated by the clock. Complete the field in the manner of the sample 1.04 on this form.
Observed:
3.52
